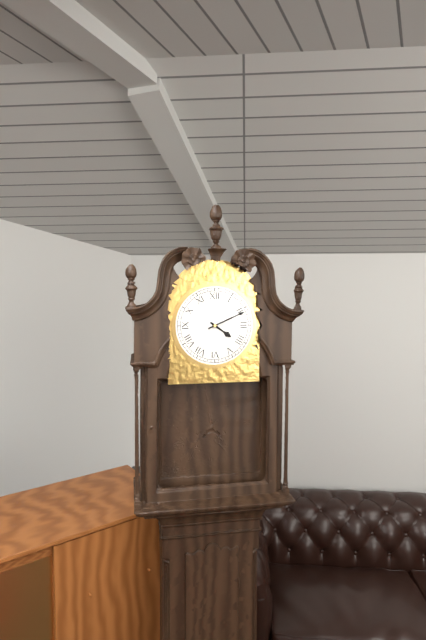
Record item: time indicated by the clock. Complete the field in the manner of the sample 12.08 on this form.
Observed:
4.11
